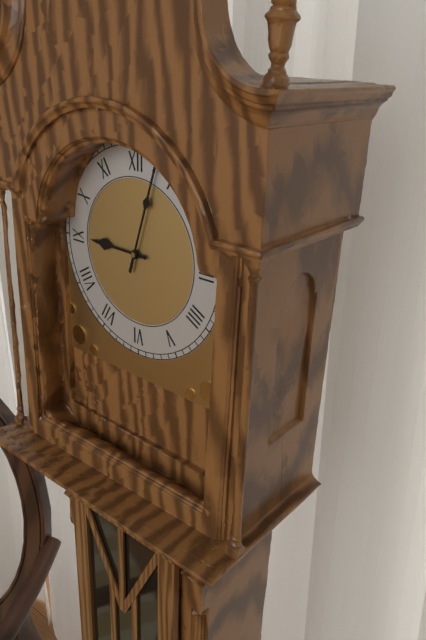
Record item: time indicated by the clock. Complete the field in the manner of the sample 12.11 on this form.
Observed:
9.03
